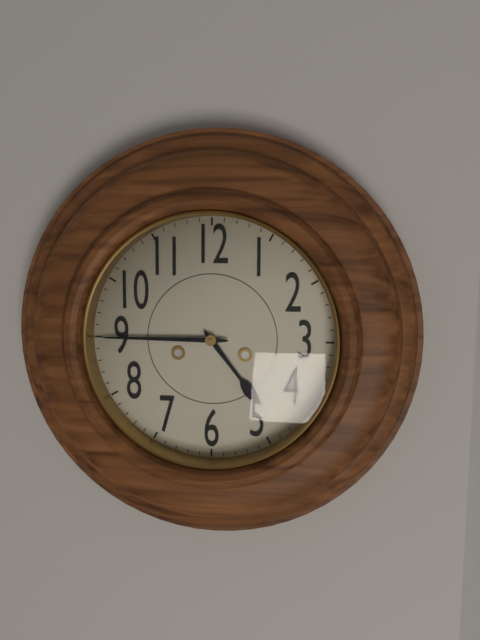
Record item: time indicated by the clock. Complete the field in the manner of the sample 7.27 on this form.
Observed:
4.45
